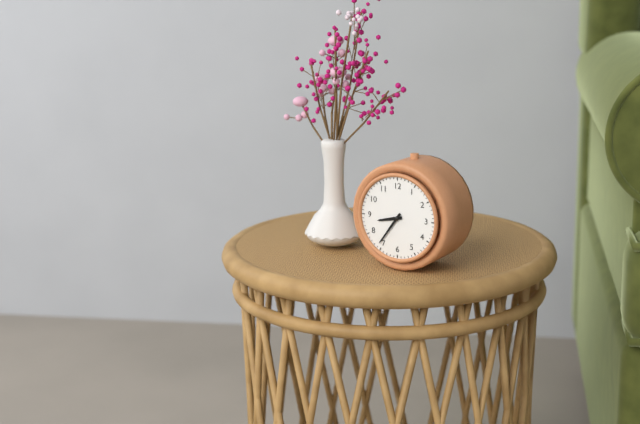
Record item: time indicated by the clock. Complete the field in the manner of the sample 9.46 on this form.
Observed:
8.36
